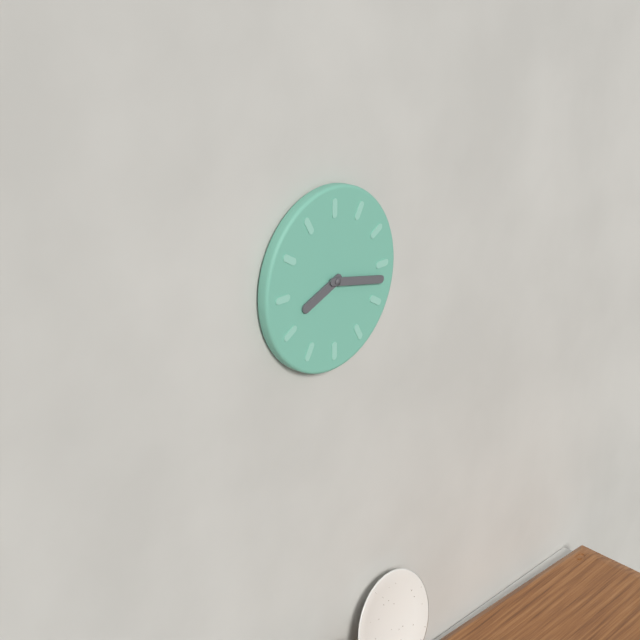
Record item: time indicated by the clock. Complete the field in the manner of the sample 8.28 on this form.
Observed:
8.17
